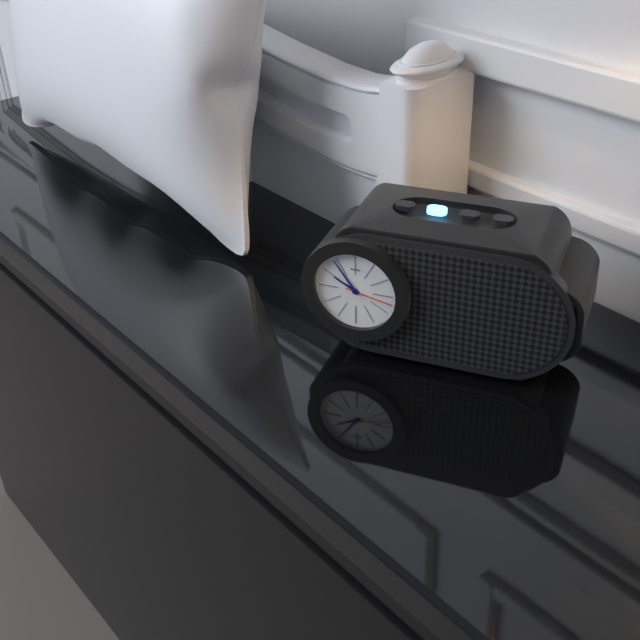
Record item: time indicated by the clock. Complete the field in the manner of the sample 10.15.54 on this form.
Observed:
9.54.17
